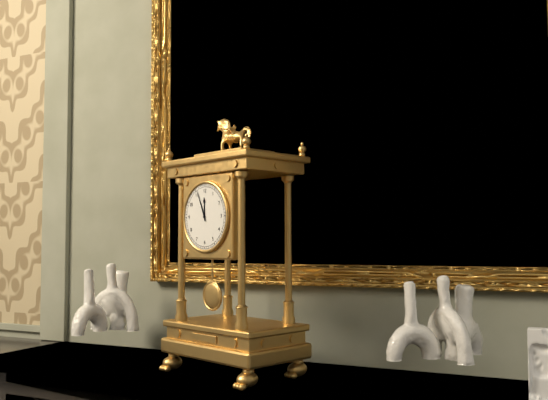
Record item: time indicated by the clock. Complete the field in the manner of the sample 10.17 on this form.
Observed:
11.56
